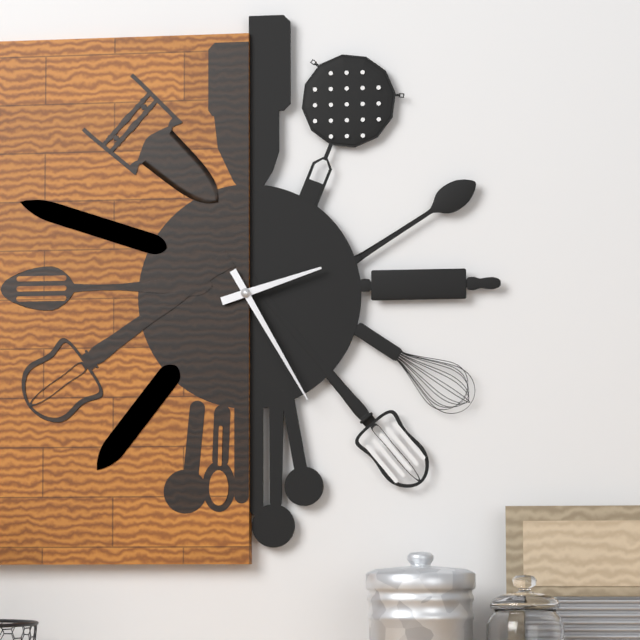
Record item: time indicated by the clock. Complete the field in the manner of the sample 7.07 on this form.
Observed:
2.25
